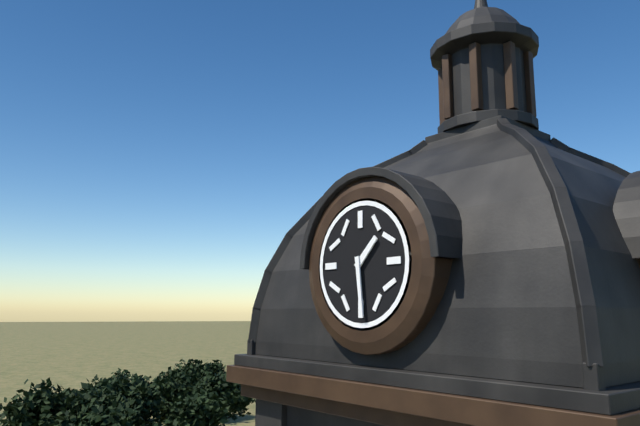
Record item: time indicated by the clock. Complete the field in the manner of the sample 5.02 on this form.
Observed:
1.29
